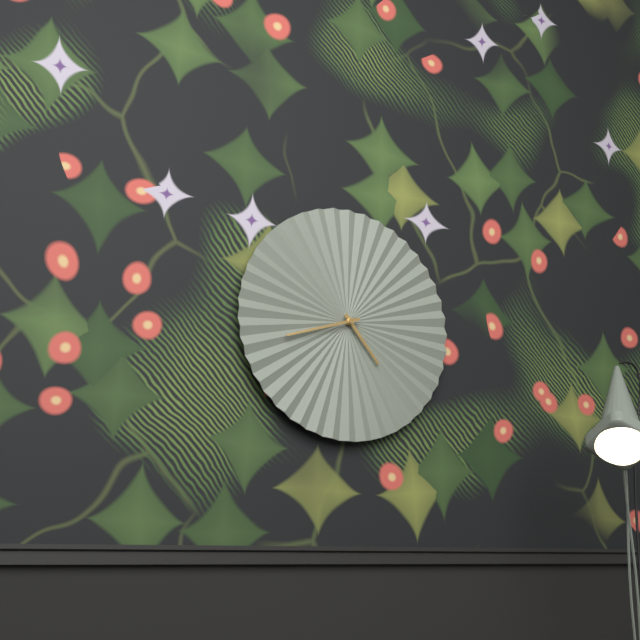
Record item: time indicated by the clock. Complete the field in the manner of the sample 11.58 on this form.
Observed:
4.42
